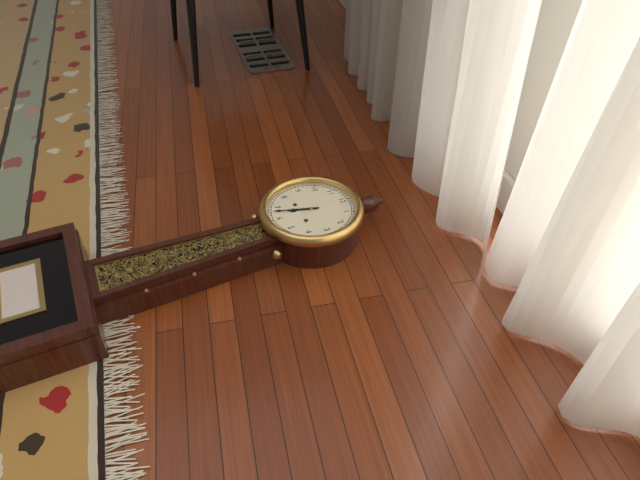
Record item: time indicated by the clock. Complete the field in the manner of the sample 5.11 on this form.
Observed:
6.33
